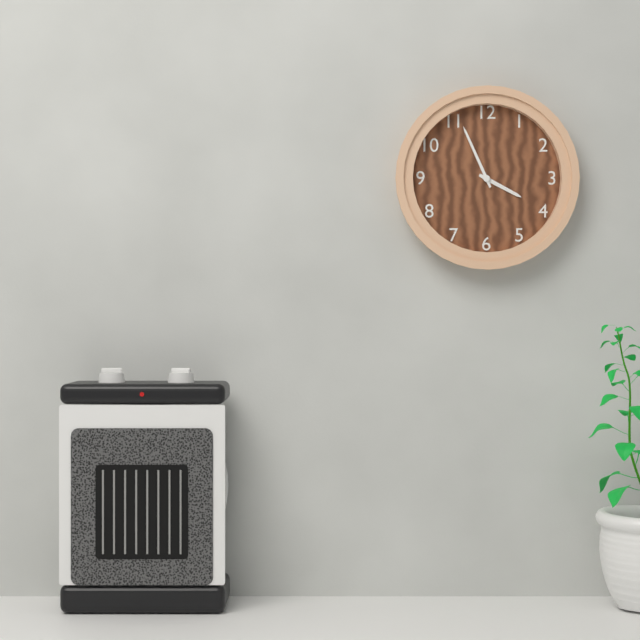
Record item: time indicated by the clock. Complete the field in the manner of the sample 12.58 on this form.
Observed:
3.56
